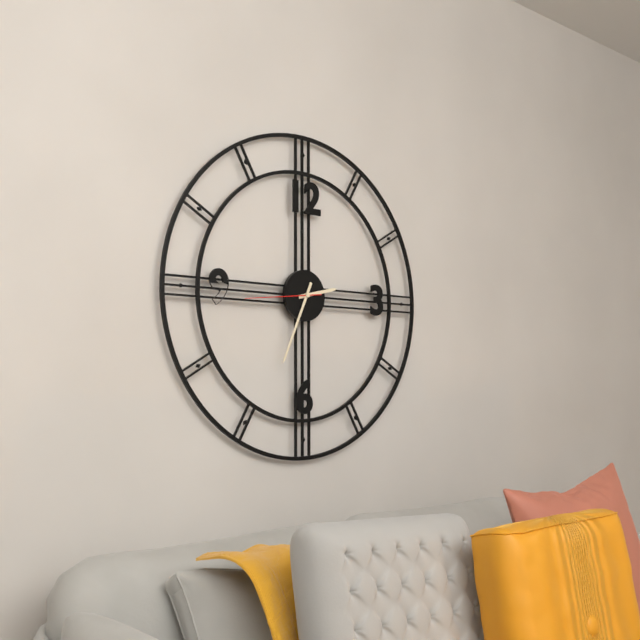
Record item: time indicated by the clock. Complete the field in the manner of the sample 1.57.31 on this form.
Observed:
2.34.44
